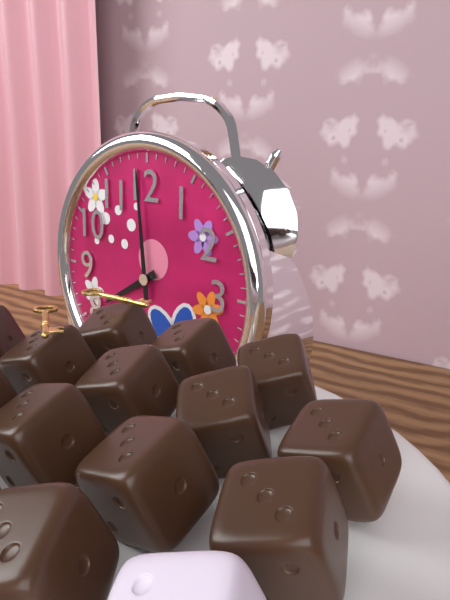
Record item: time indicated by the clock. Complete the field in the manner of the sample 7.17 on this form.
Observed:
7.59
